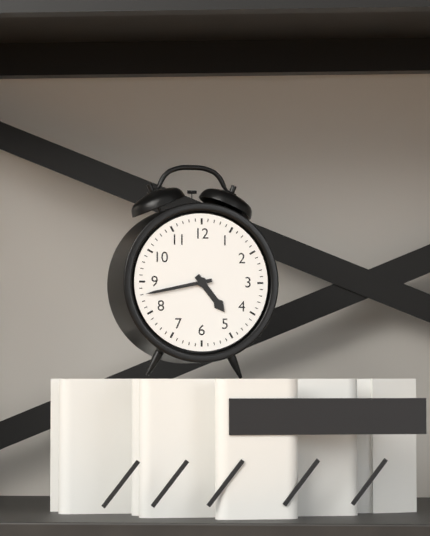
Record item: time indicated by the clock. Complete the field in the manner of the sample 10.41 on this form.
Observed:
4.43
